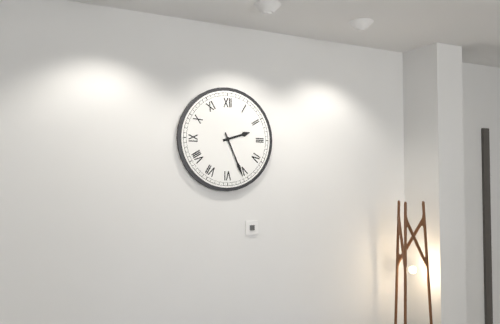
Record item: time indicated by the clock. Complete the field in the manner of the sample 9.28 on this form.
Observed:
2.26
